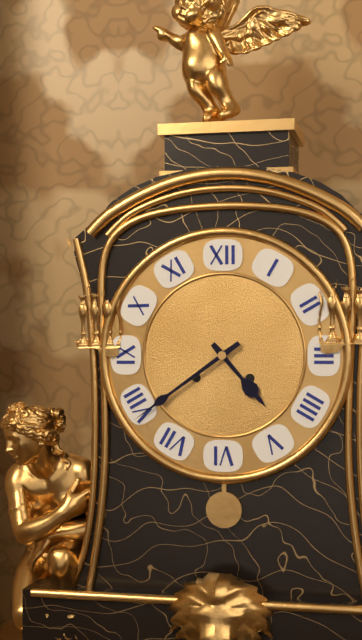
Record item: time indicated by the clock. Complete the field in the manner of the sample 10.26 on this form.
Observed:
4.39
